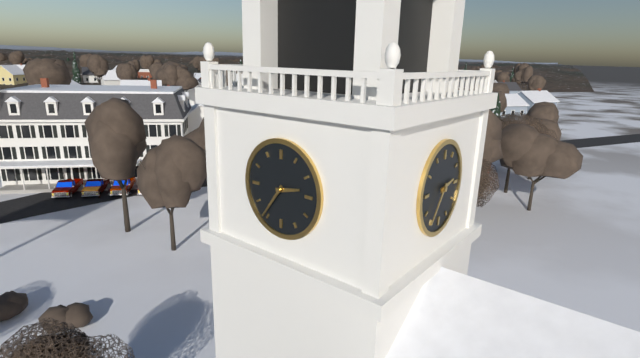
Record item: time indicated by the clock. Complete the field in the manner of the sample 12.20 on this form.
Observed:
2.36
